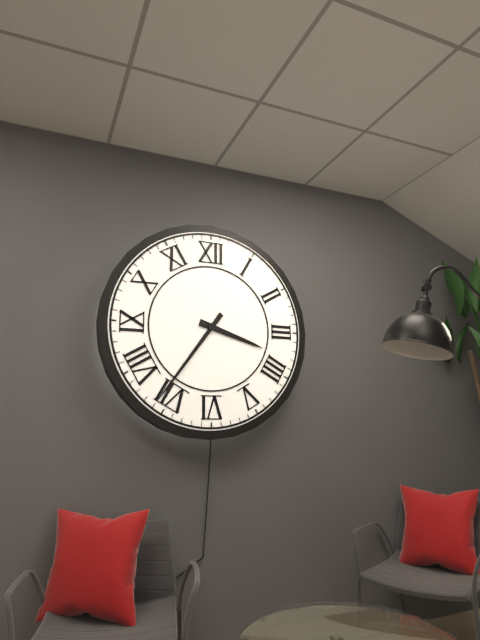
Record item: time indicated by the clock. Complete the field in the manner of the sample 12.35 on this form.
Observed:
3.36
